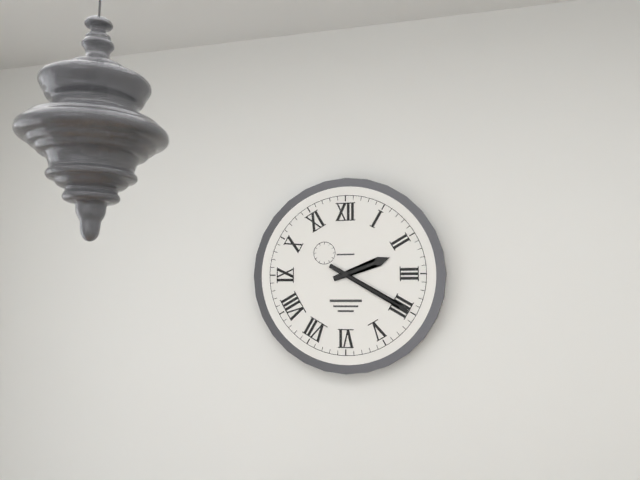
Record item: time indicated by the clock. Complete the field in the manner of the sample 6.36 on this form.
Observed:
2.20
